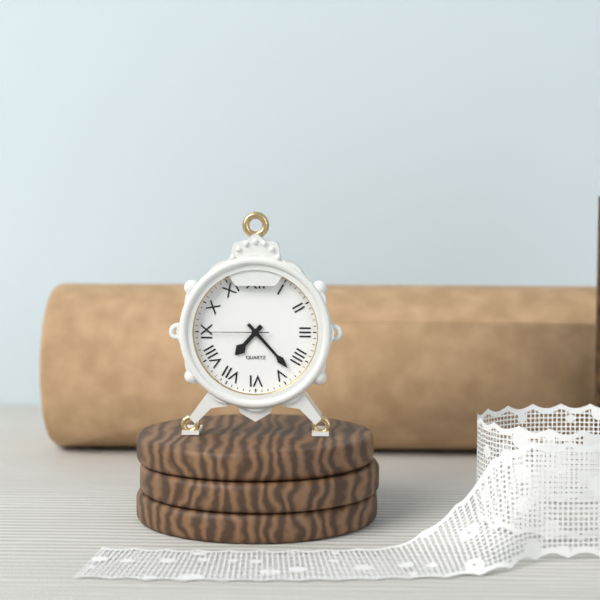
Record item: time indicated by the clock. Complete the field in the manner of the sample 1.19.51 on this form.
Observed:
7.23.45
